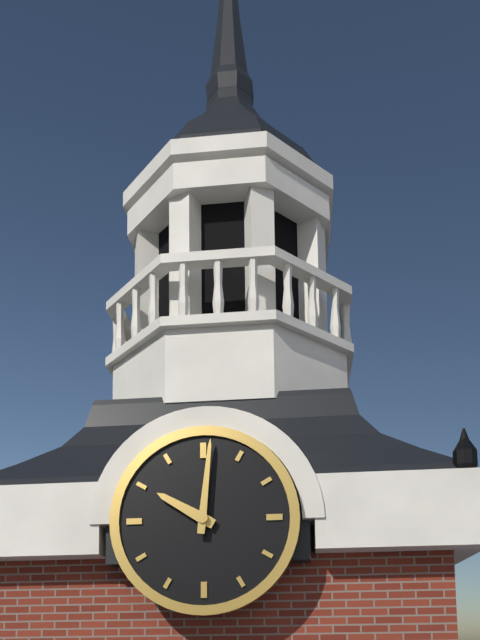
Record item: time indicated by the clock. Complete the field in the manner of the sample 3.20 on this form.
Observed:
10.01
